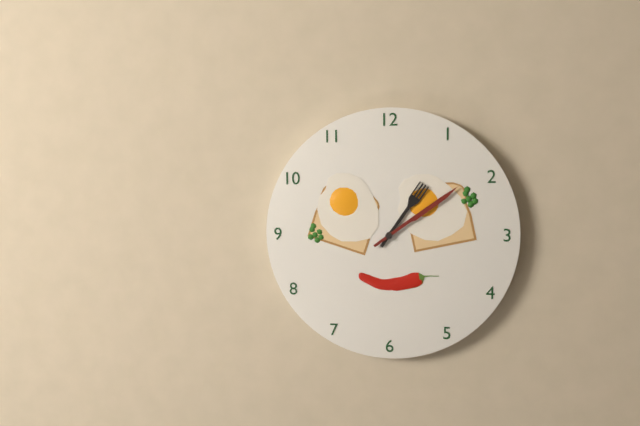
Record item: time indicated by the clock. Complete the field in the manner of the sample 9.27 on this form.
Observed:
1.09
